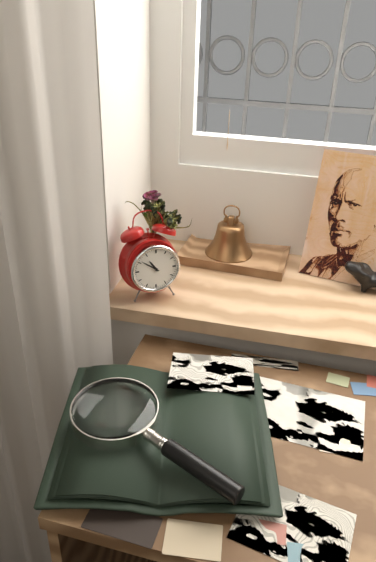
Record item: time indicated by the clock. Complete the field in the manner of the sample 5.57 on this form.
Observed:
10.51
